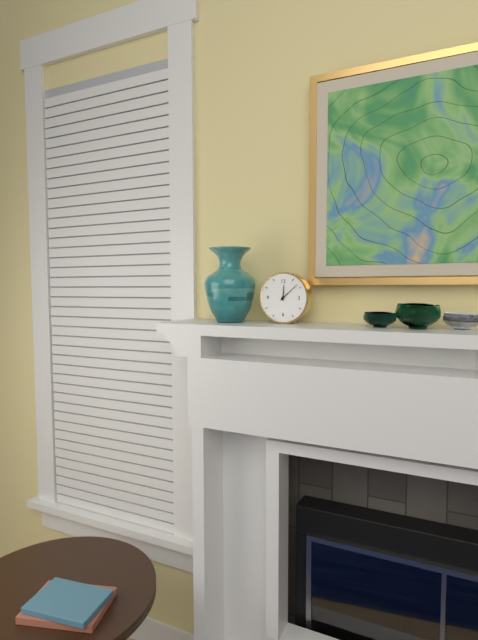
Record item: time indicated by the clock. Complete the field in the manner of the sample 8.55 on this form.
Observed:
12.08
